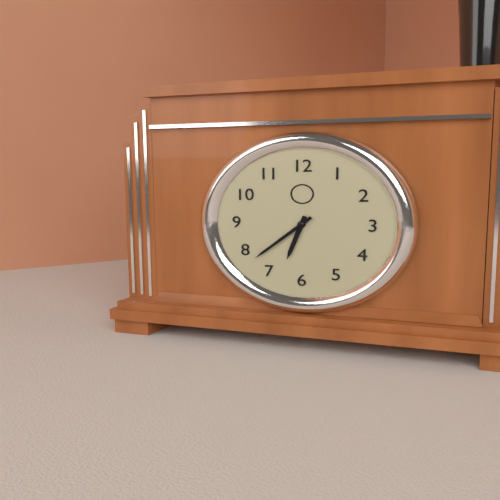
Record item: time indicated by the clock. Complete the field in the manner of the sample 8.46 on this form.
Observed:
6.38
